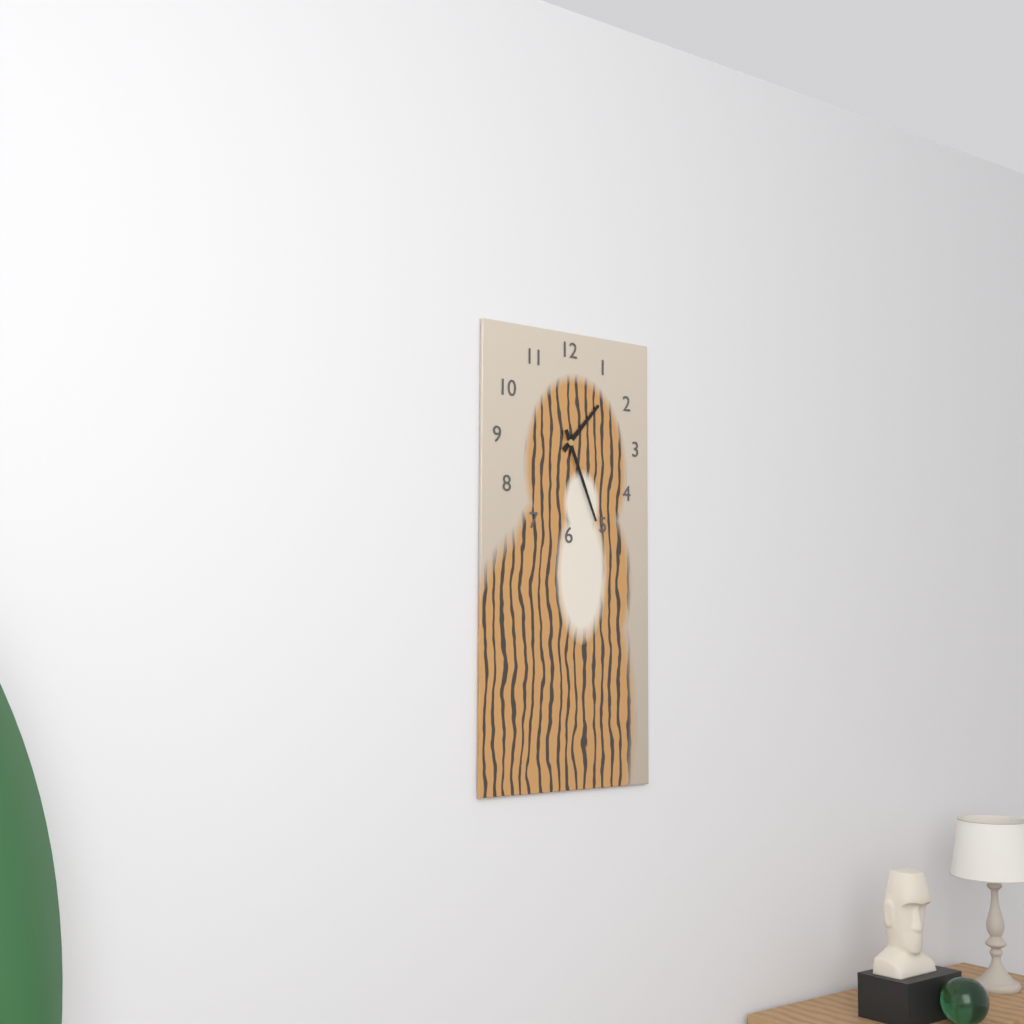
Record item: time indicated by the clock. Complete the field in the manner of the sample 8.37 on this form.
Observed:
1.26
